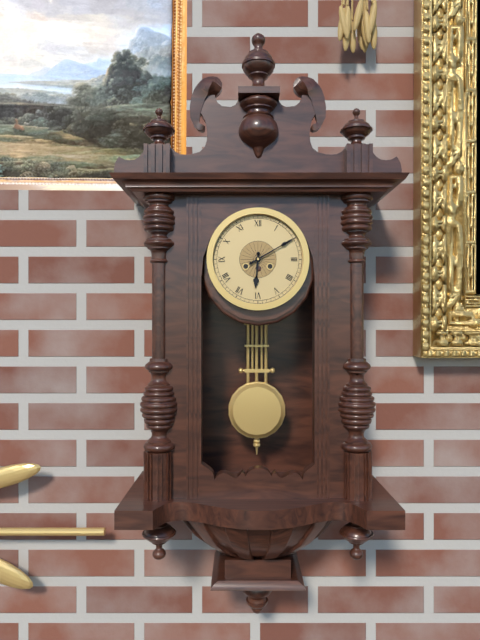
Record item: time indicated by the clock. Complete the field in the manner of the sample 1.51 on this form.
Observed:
6.10
